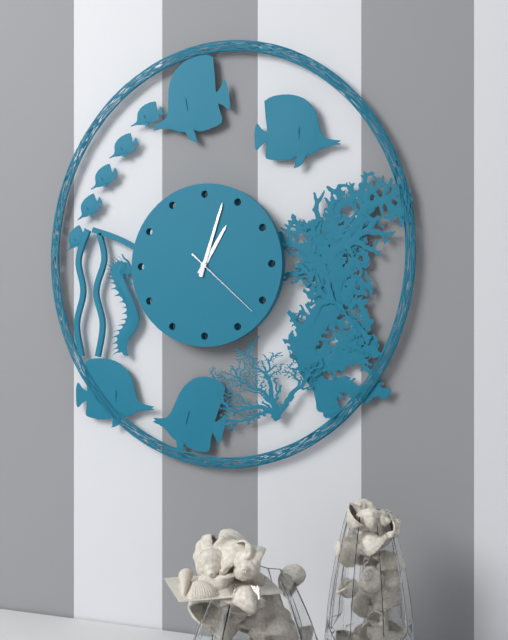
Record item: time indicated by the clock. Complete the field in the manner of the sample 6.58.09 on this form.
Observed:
1.03.22
